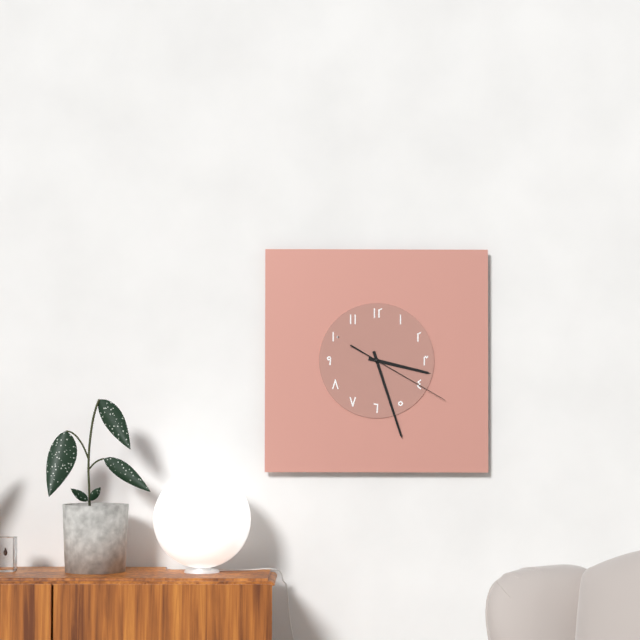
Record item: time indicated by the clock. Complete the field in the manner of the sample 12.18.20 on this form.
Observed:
3.27.20
